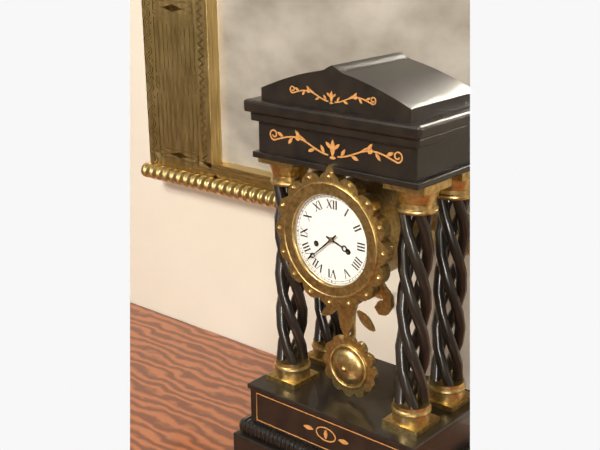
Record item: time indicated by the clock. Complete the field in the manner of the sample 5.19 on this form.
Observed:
3.38
